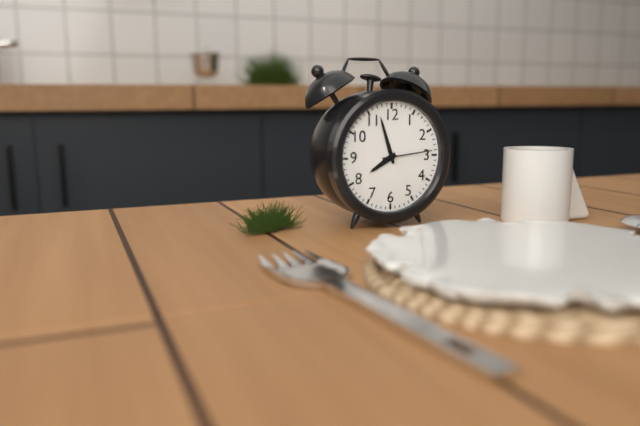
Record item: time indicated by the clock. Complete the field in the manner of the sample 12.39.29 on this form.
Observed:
7.57.14
